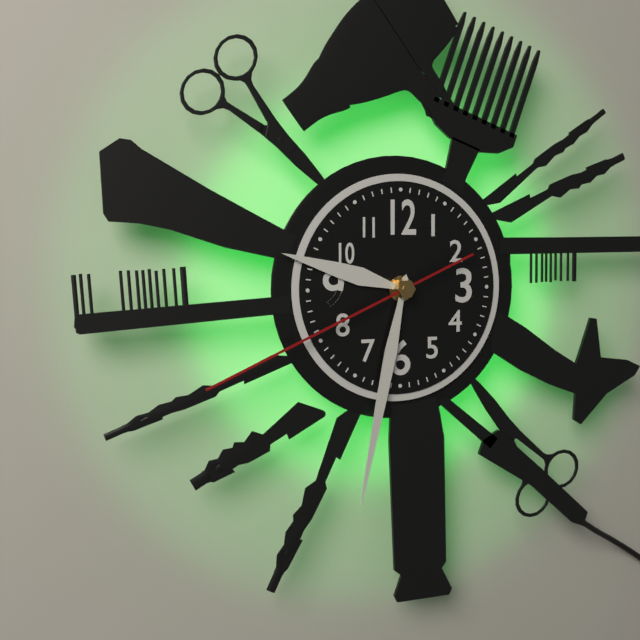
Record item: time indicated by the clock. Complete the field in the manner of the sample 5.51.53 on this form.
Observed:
9.32.41
